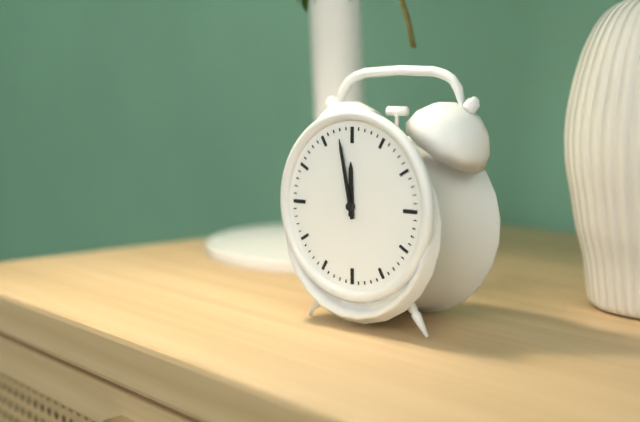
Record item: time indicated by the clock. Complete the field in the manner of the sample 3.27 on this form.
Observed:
11.58
